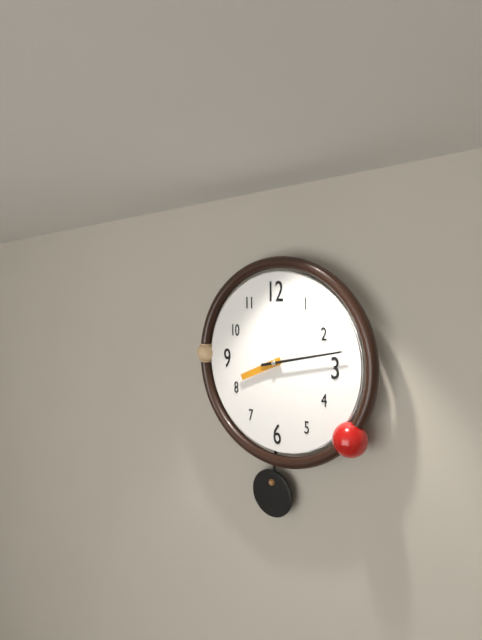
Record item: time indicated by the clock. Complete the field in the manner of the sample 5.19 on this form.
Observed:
8.13
